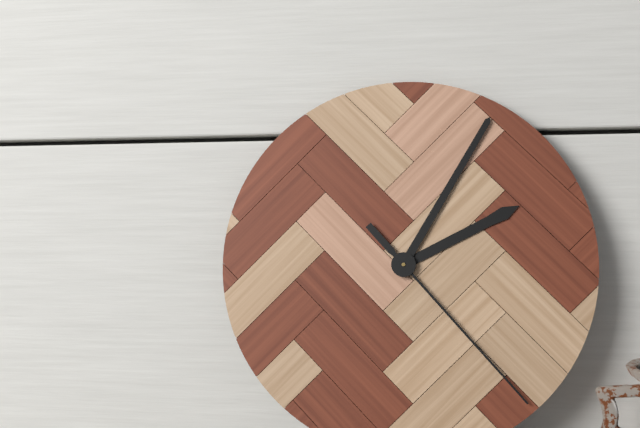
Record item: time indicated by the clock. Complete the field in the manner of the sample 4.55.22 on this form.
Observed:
2.05.23
